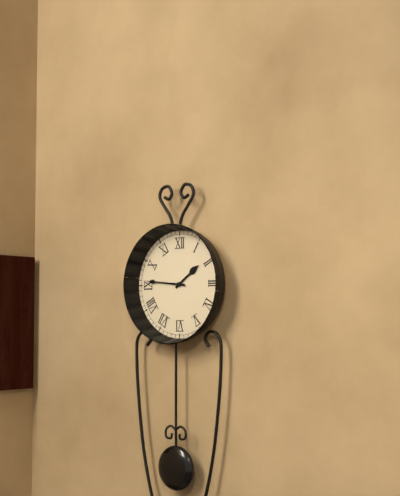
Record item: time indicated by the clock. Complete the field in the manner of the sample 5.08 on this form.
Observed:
1.46
